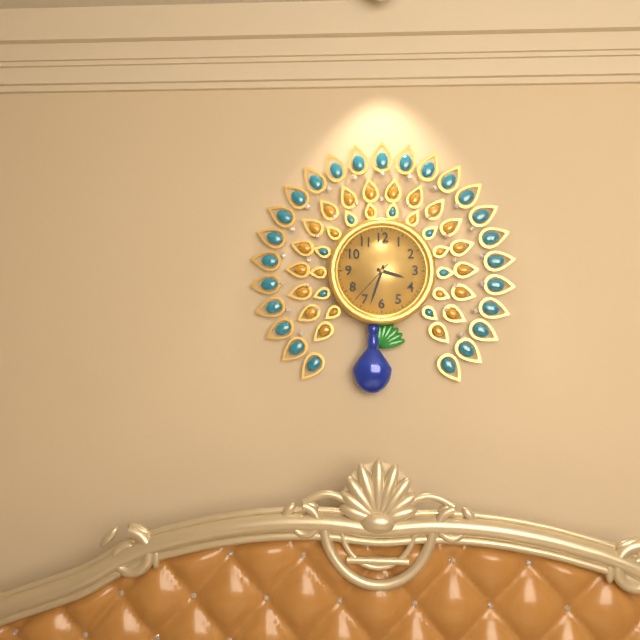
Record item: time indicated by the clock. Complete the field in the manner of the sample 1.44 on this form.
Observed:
3.33
